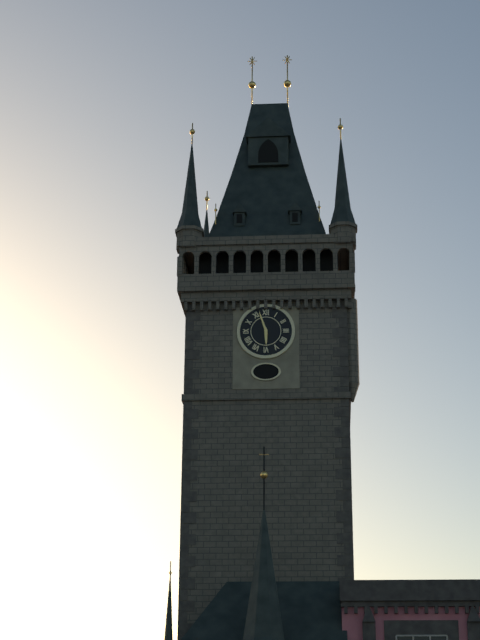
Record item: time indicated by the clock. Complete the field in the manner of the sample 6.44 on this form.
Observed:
5.57
